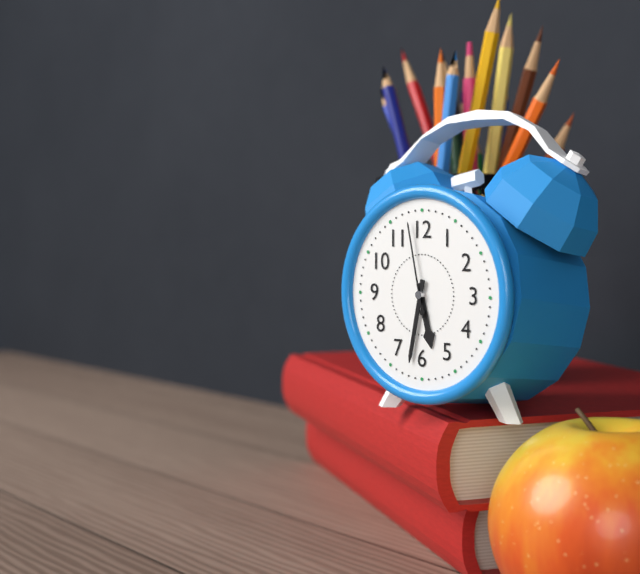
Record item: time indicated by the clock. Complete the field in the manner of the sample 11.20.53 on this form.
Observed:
5.32.58
